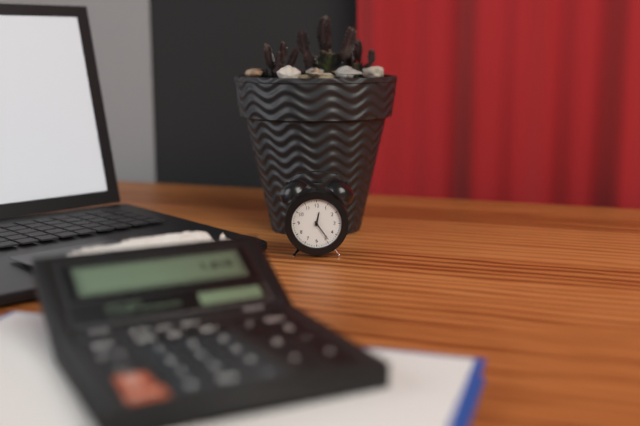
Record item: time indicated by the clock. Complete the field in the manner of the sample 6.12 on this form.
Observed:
12.24
